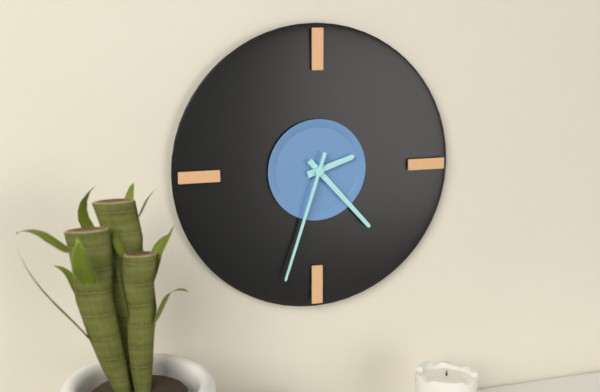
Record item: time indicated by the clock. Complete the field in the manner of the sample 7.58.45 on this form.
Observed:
2.23.33
